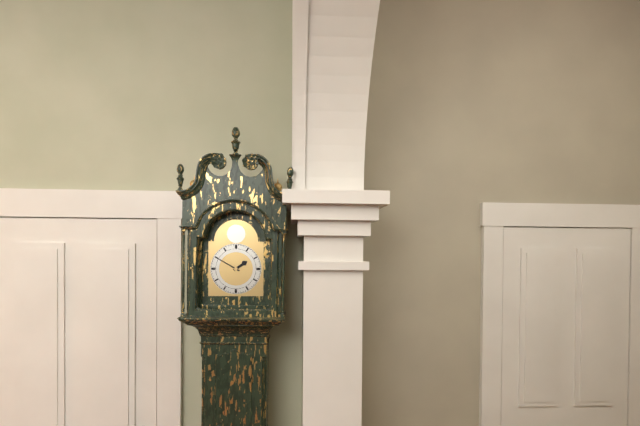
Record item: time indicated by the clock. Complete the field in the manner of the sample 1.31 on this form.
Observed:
1.50
